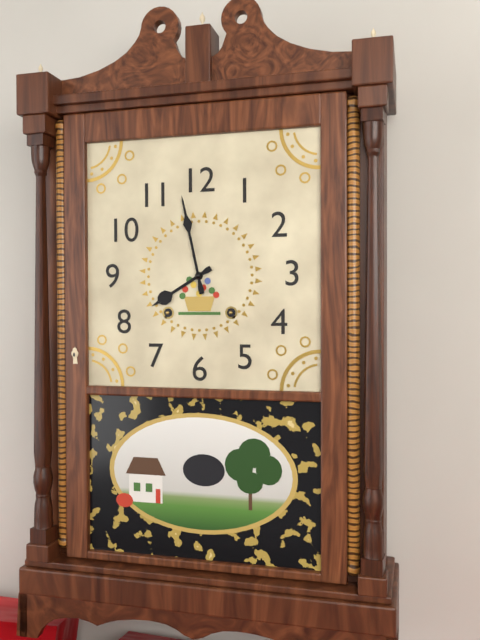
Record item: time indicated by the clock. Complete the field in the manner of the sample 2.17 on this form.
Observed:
7.58
